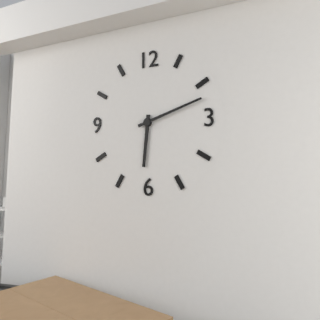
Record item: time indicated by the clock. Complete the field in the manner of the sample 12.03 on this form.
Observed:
6.12
